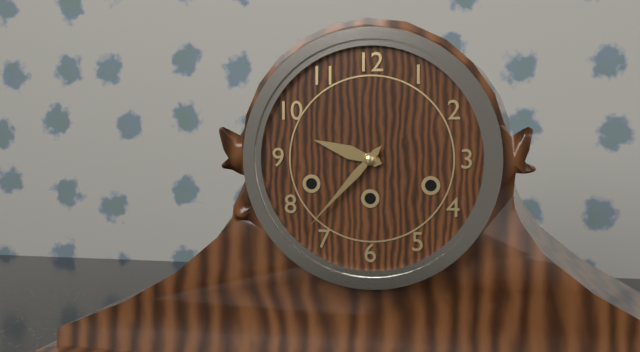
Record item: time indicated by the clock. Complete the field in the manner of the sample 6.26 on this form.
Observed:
9.37
